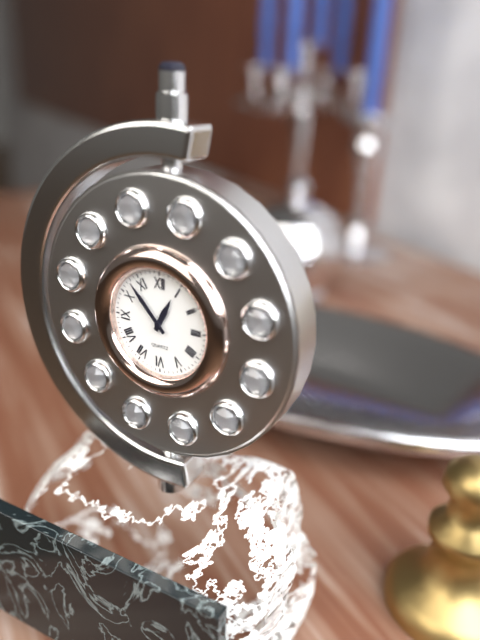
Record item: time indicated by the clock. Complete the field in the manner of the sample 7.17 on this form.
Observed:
12.53
